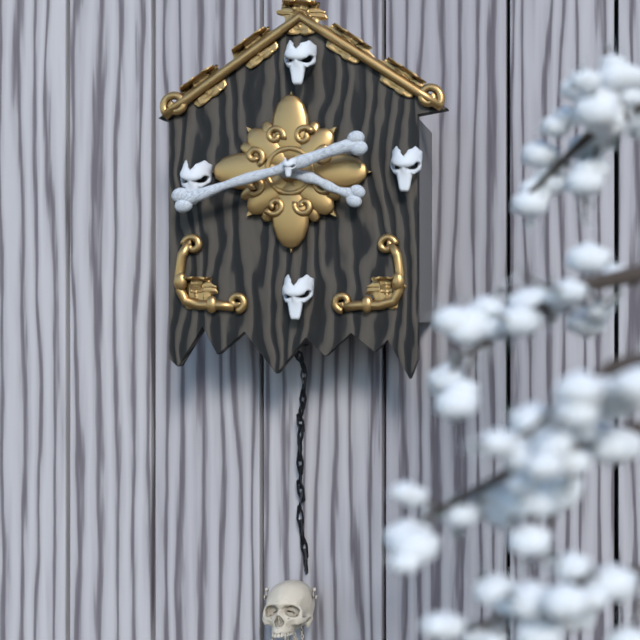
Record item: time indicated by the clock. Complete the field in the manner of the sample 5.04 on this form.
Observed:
3.42
